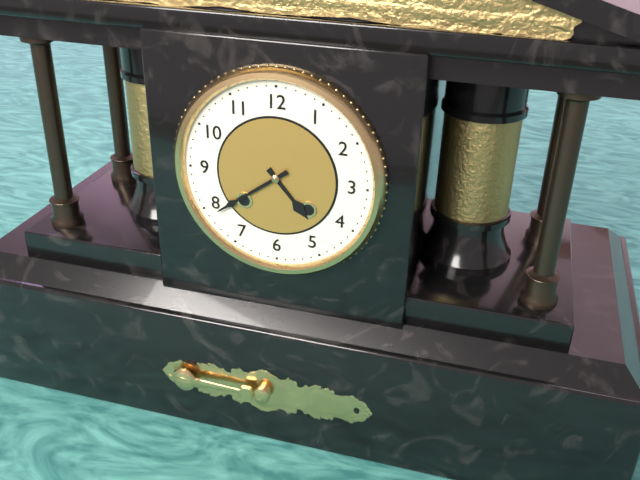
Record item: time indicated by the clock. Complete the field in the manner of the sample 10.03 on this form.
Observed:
4.39
